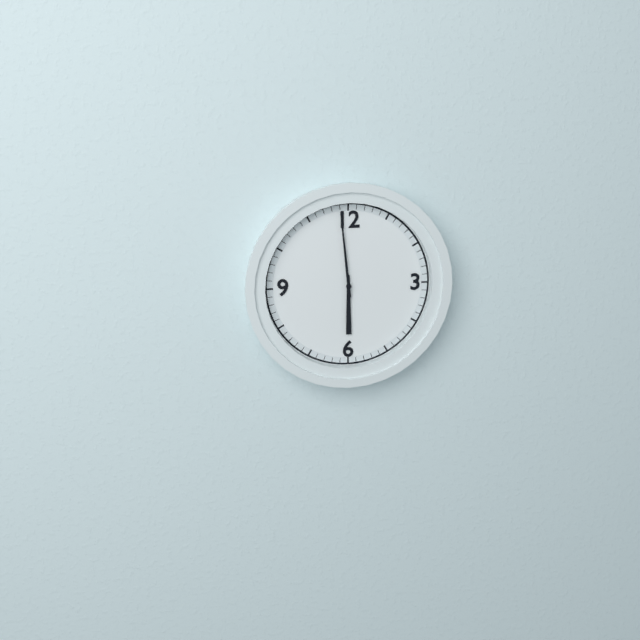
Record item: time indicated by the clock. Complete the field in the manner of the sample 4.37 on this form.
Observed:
5.59
